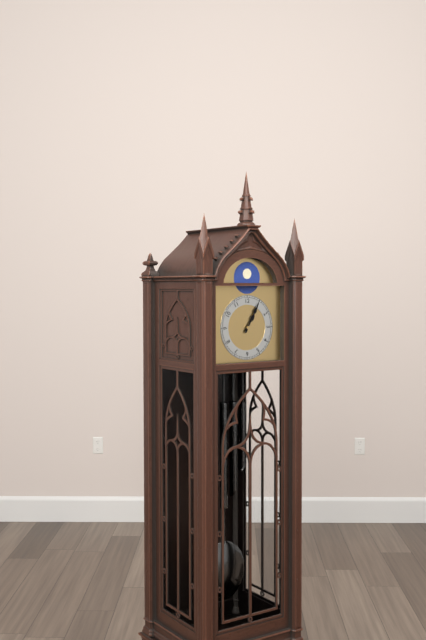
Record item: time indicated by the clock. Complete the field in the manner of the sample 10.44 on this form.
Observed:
1.05
